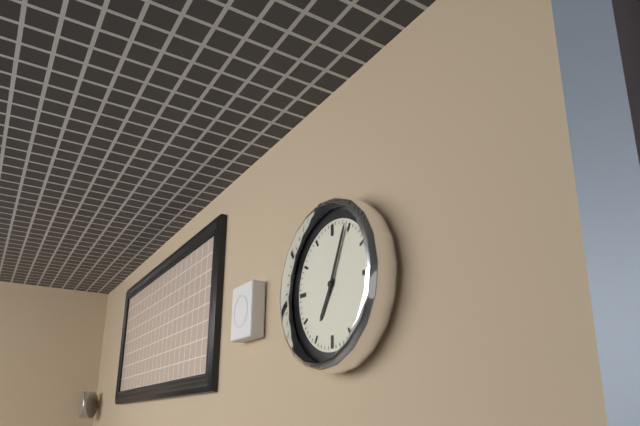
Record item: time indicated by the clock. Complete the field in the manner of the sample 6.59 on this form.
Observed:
7.04
